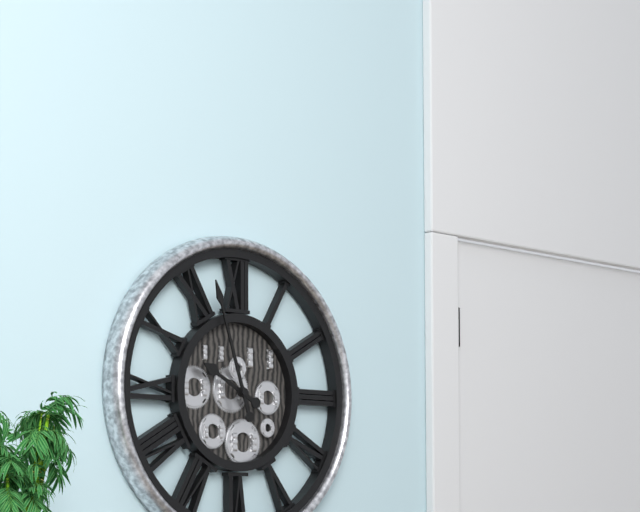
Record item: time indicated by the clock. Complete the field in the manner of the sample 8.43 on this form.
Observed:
9.57
